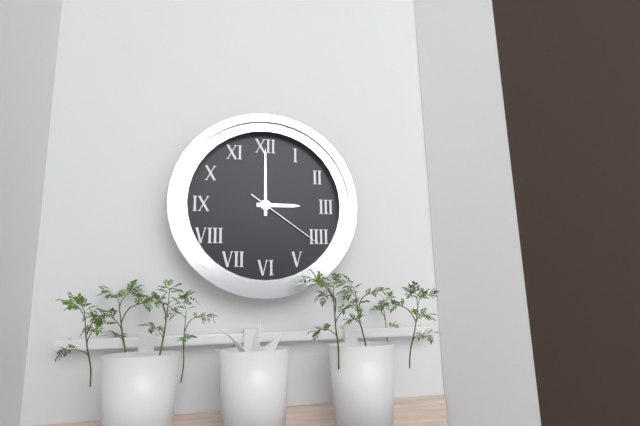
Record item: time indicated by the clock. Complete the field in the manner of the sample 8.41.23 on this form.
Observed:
3.00.21
